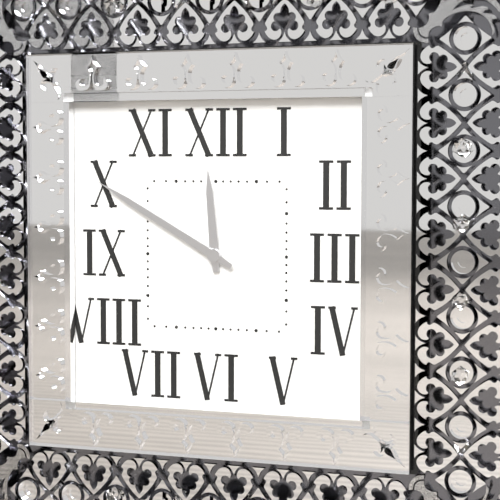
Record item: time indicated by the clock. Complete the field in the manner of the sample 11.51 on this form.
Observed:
11.50
